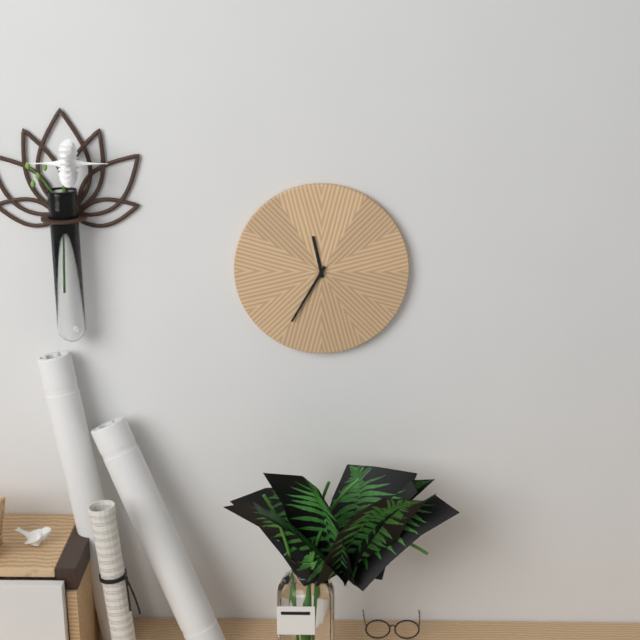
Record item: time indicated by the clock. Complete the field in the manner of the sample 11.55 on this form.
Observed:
11.35
